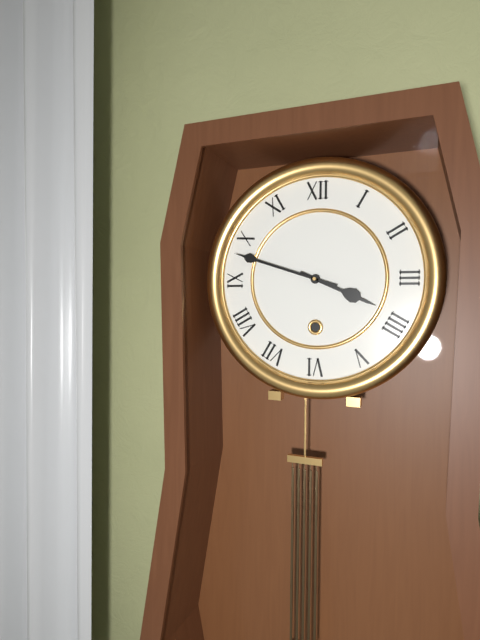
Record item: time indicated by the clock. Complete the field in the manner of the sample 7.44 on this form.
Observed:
3.48
